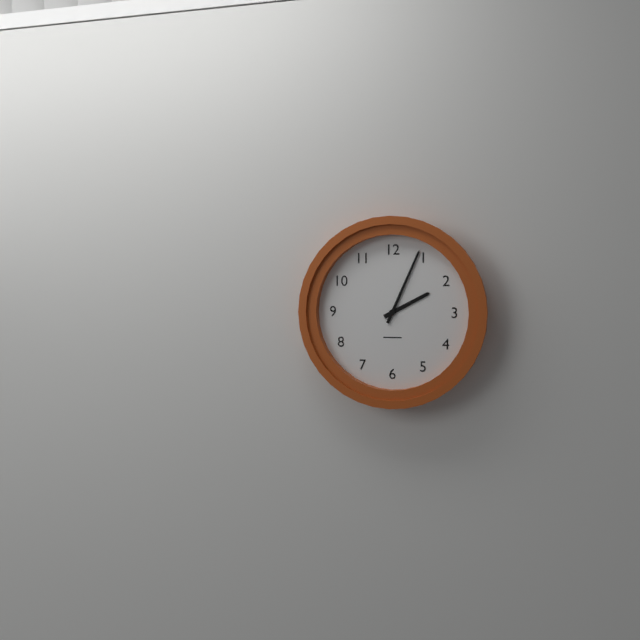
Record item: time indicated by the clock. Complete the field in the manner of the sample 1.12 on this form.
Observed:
2.04
